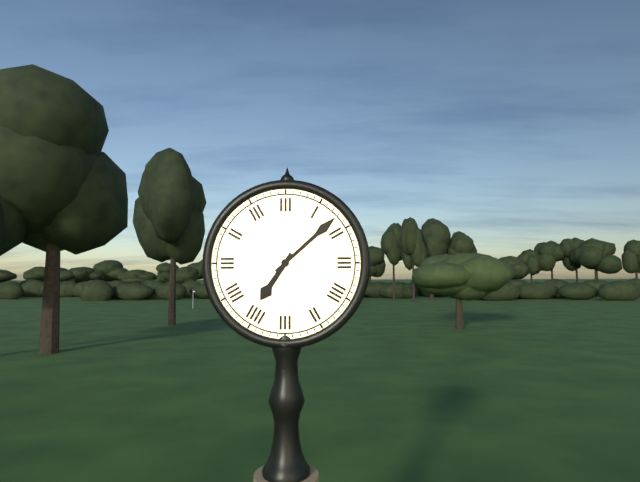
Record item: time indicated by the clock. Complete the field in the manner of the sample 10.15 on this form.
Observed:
7.08
